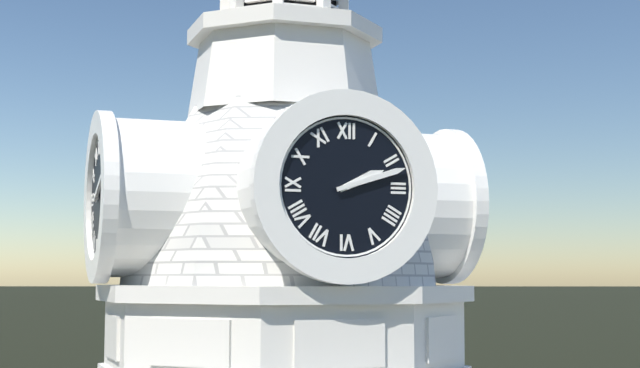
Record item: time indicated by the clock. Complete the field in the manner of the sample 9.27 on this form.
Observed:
2.12
